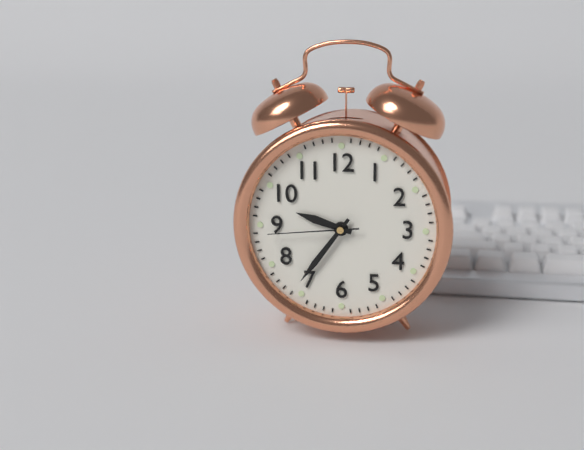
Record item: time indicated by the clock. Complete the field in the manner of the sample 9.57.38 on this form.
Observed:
9.36.44
